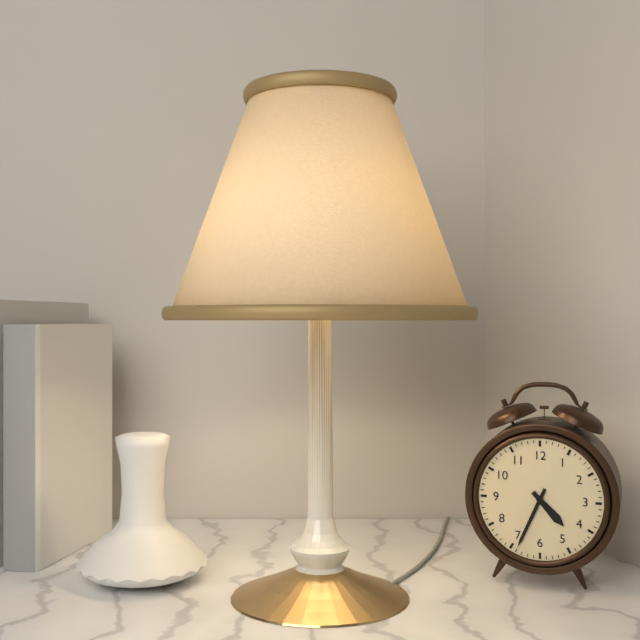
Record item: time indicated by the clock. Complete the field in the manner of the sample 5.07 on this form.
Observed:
4.34
